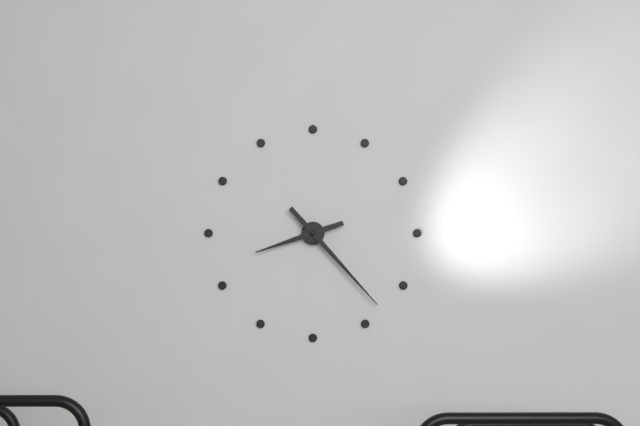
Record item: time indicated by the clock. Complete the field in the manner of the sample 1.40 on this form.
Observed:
8.23
